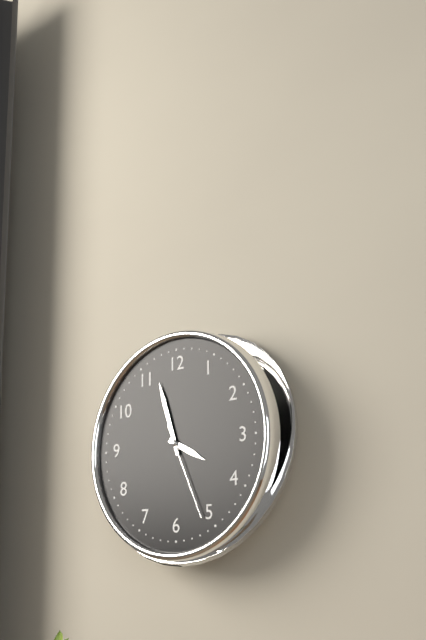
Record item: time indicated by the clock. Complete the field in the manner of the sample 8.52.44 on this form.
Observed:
3.57.26
